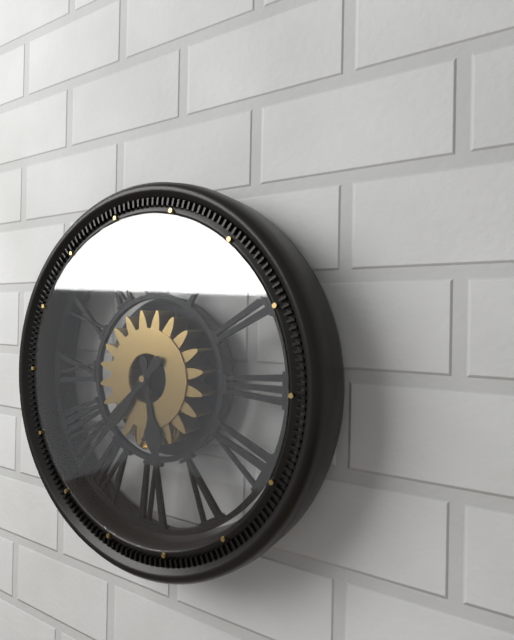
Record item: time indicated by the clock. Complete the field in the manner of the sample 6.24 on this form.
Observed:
5.37
